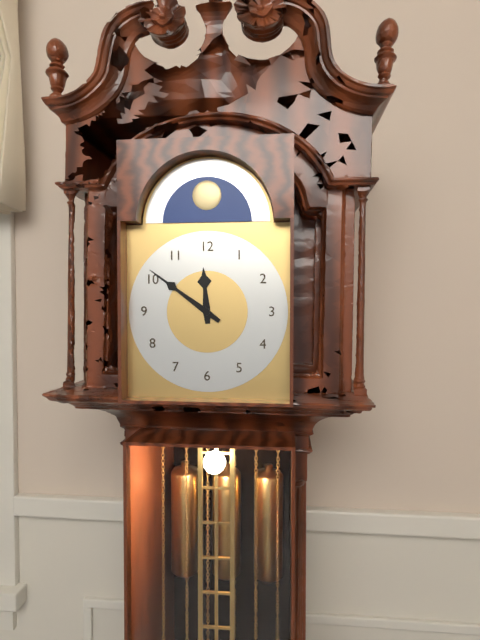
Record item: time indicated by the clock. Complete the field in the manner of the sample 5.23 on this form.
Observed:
11.51
